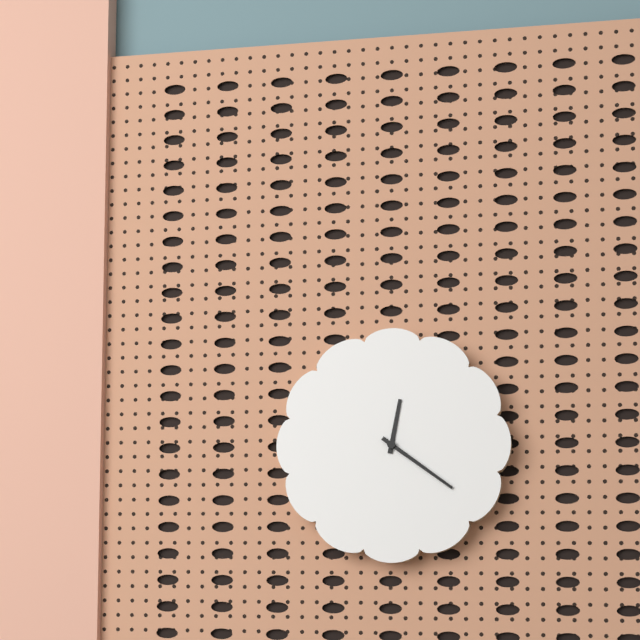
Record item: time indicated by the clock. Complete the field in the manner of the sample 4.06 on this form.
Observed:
12.21
